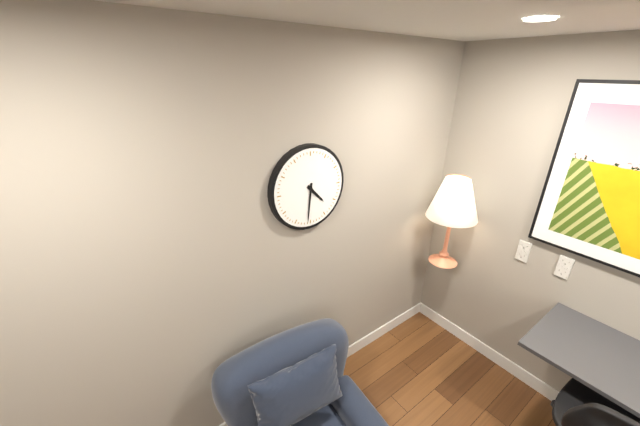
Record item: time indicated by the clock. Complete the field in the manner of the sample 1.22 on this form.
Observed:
4.31
